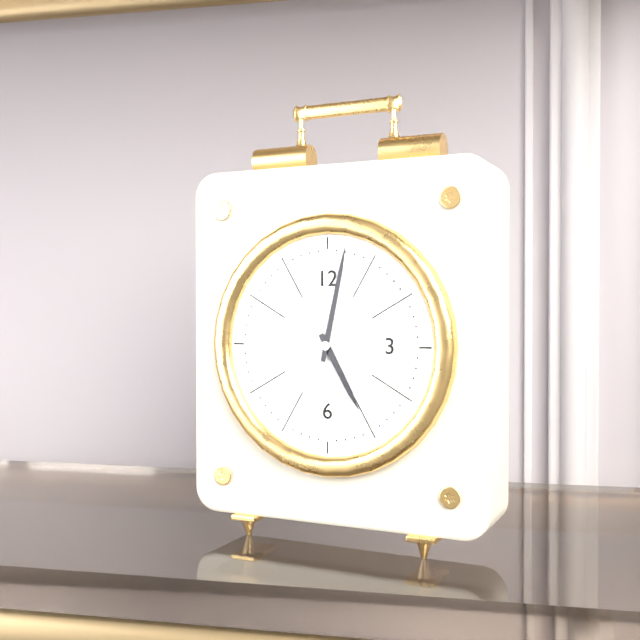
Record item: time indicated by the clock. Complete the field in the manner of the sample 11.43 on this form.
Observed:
5.02
